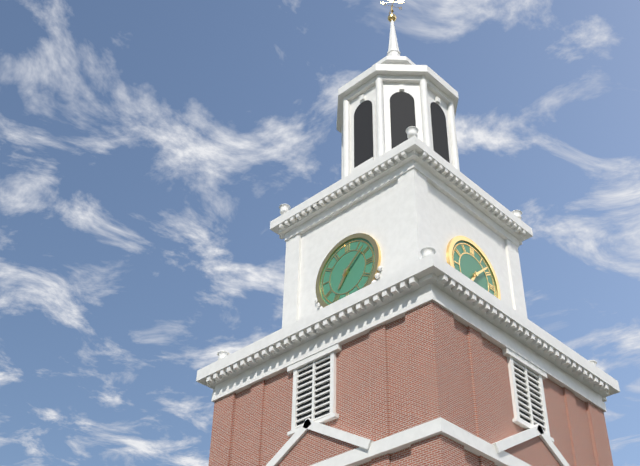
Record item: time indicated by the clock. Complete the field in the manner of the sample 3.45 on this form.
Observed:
7.08
